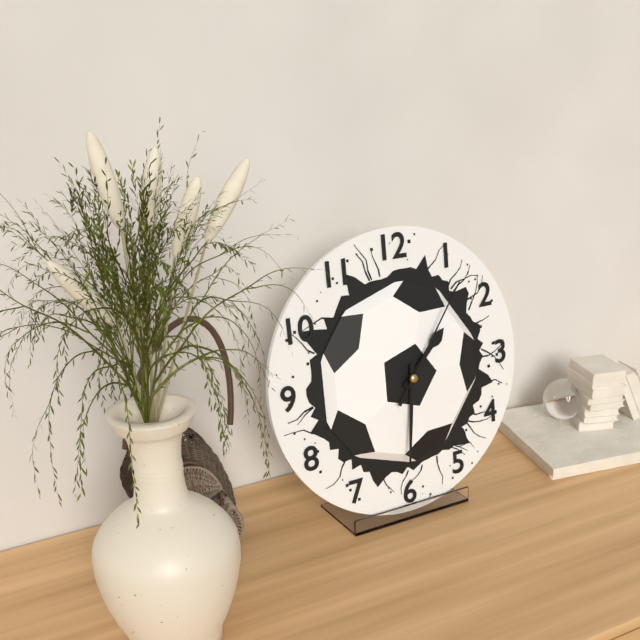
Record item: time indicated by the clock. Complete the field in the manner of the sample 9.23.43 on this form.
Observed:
1.31.06
